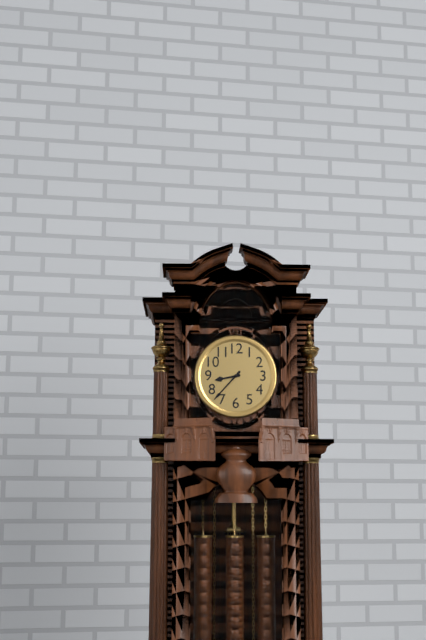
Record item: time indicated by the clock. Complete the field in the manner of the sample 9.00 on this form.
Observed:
8.37
